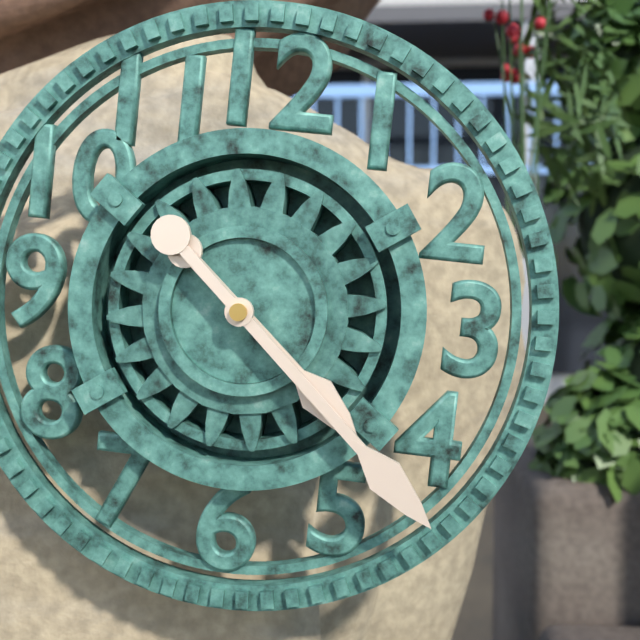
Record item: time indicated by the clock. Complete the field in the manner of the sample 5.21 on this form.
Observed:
4.22
